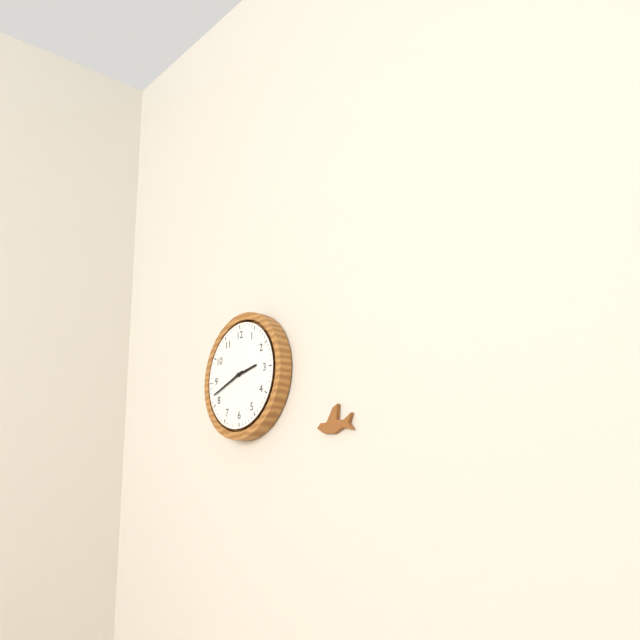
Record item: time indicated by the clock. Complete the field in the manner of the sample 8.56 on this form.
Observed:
2.42
